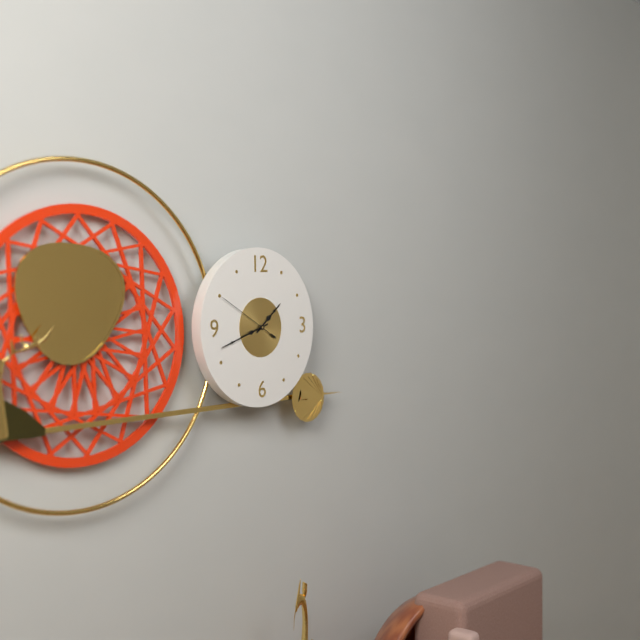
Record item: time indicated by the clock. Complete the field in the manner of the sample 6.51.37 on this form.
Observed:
1.42.50
